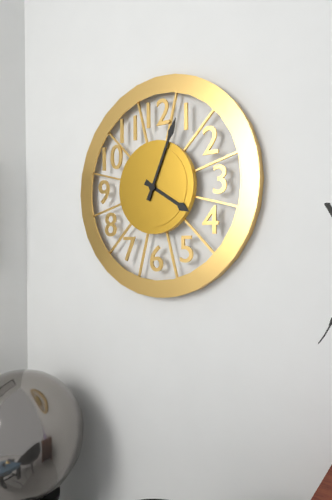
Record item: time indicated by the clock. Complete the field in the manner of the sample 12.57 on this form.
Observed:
4.04
